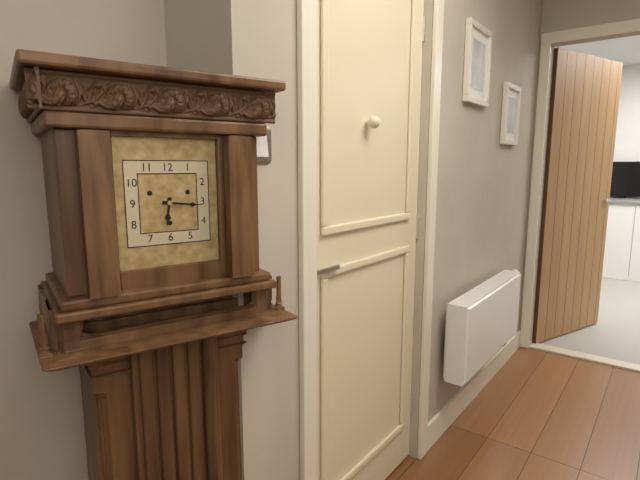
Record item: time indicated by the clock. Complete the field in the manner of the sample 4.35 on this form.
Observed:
6.16
